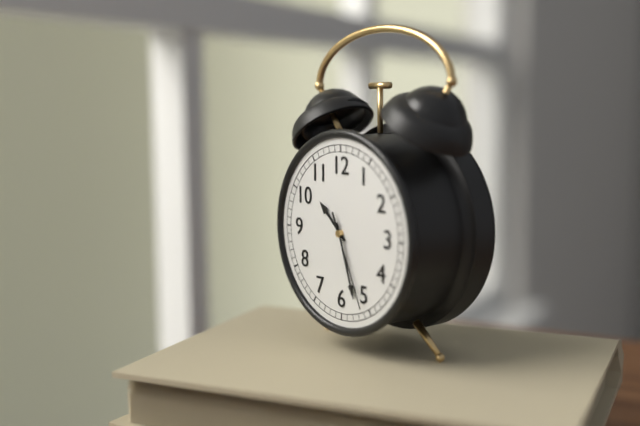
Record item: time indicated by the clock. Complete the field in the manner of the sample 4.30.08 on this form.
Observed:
10.27.26
